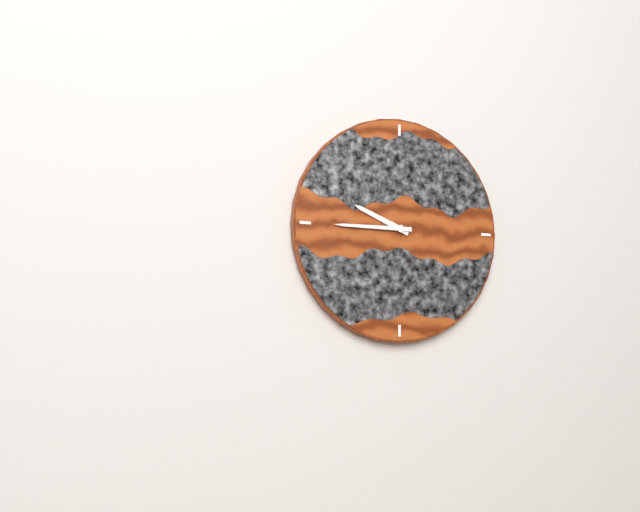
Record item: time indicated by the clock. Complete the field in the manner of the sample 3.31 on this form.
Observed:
9.45
